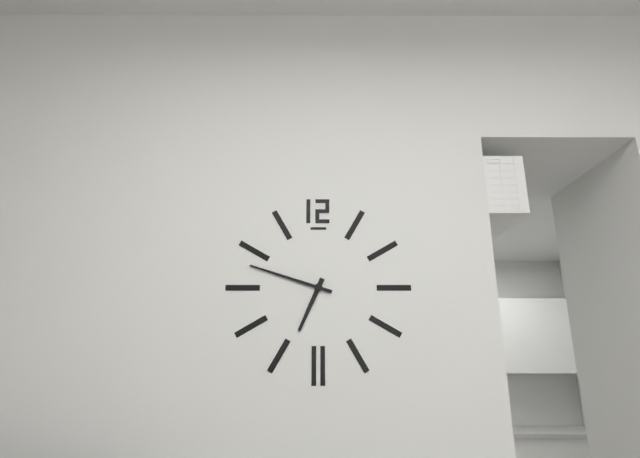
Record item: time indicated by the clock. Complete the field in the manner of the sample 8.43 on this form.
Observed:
6.48
